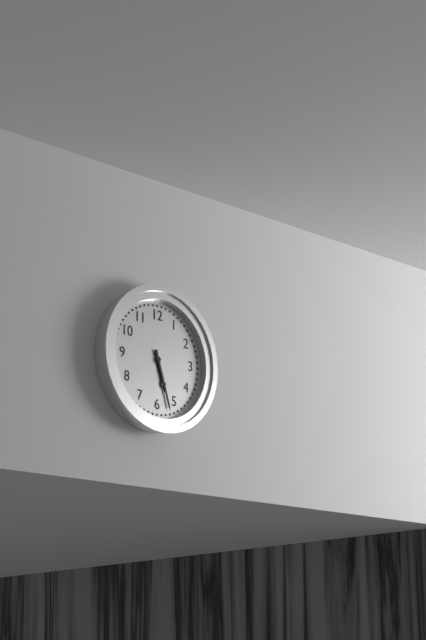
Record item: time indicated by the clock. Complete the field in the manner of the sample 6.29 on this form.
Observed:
5.27
